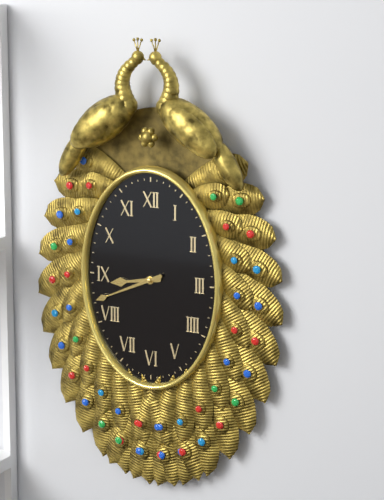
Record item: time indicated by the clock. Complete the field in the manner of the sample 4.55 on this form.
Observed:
8.41
